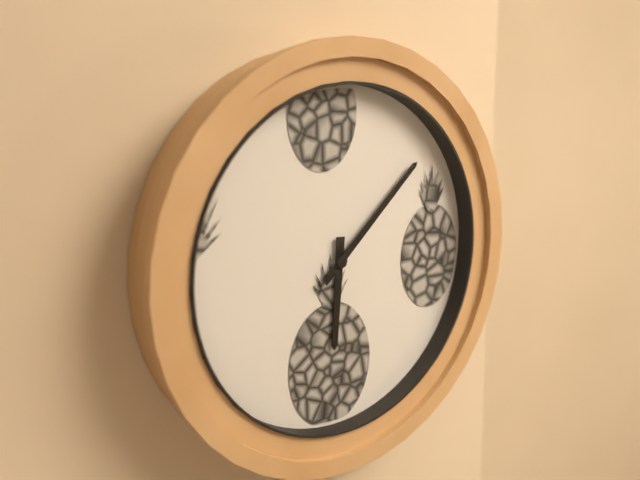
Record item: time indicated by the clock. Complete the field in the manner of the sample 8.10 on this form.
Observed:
6.08
